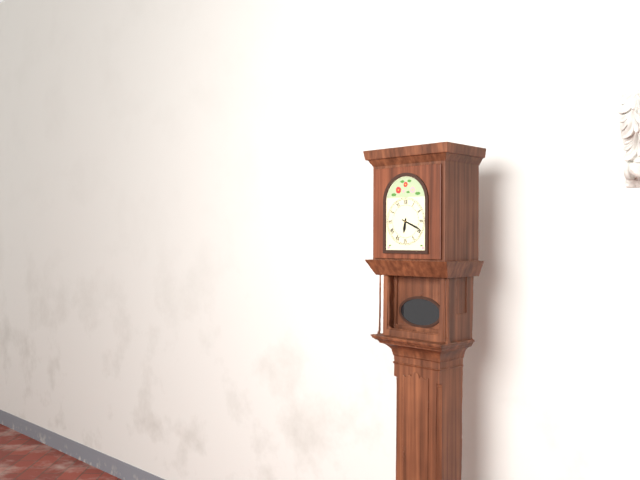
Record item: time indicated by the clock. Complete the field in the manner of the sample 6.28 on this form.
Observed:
6.19
